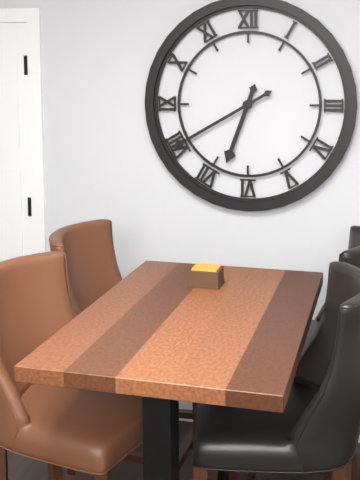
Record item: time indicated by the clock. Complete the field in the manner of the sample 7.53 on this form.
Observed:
6.40
